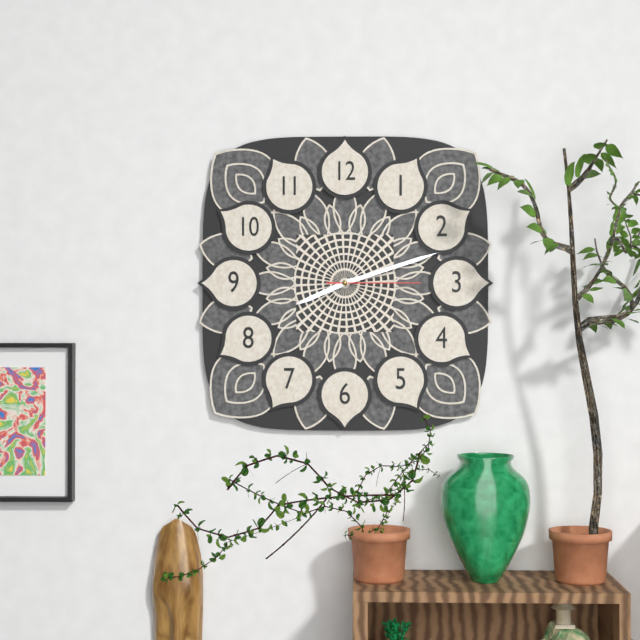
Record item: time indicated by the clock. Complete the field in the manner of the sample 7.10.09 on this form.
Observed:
8.12.15
